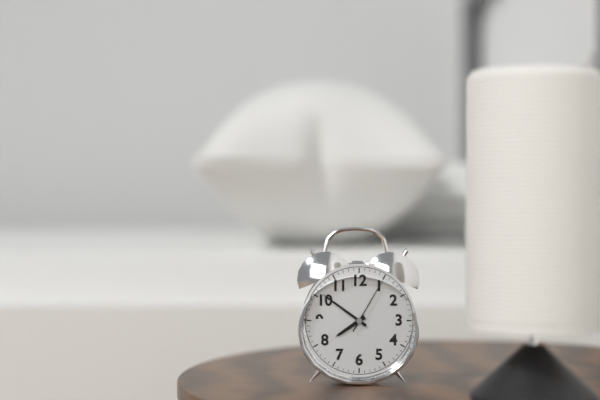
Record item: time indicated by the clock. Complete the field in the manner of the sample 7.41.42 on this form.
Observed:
7.51.05
